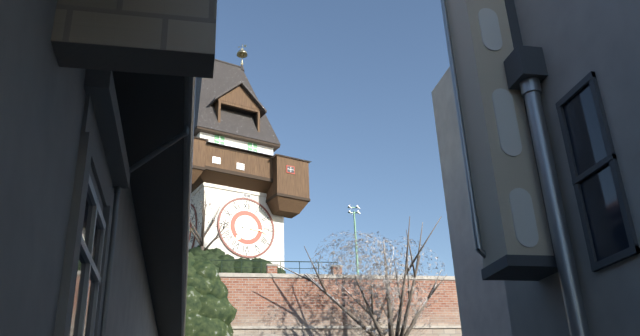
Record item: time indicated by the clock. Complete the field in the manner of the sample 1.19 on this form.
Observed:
7.16
